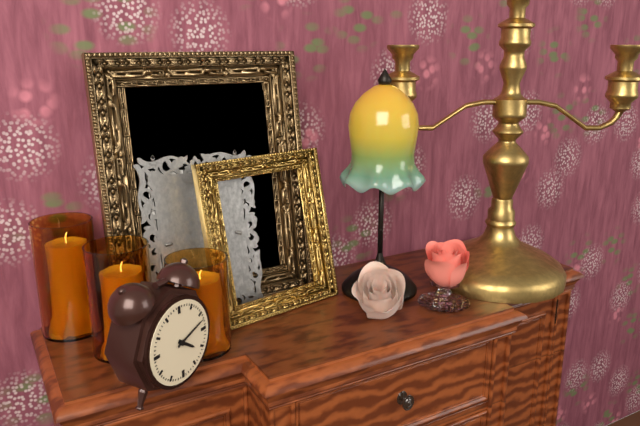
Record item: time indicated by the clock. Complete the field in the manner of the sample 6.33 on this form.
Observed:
4.12
